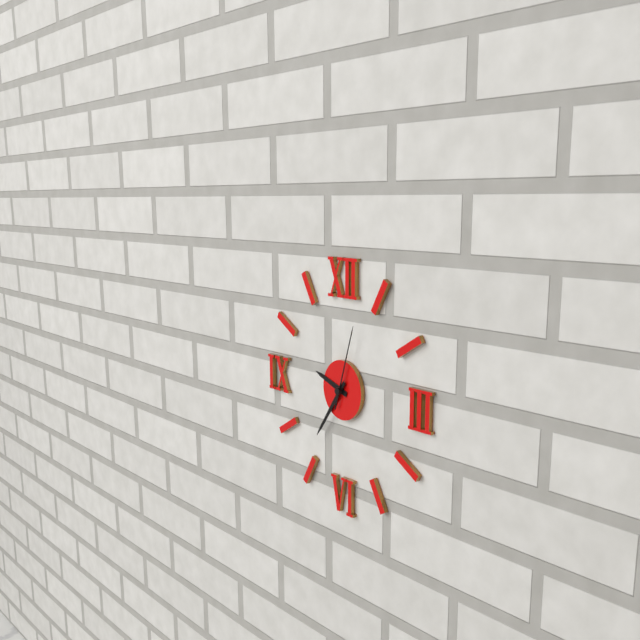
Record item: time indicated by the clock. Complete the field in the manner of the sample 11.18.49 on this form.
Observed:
9.36.03
